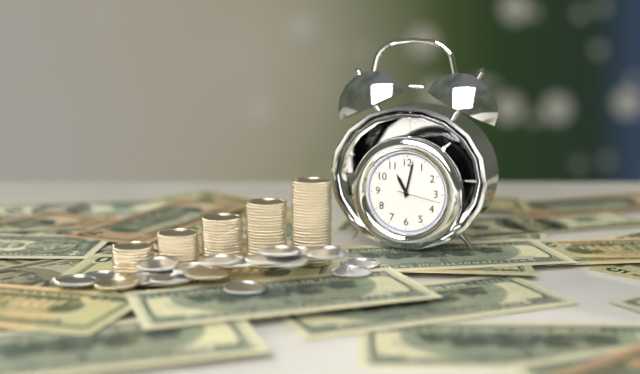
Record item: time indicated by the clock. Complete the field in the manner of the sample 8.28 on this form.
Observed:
11.02
